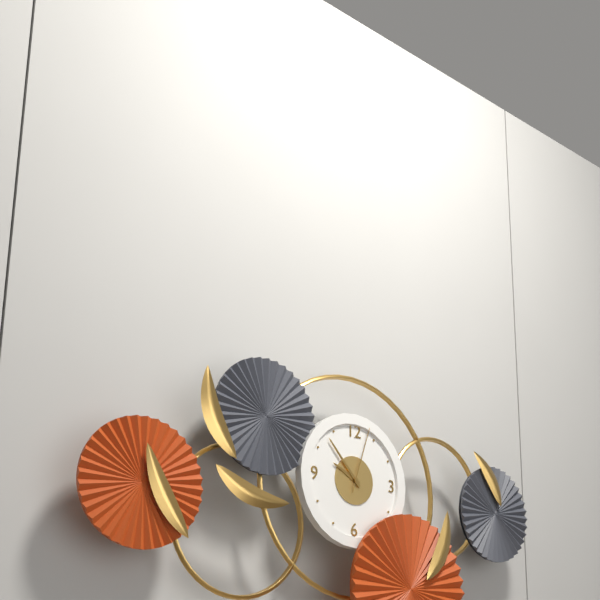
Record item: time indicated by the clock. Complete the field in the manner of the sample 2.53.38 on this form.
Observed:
9.53.03
